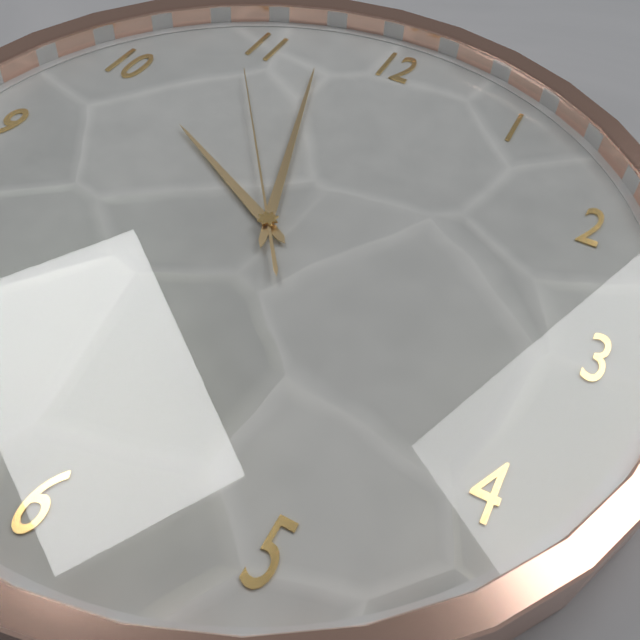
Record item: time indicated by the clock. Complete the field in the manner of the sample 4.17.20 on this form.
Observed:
9.57.54
